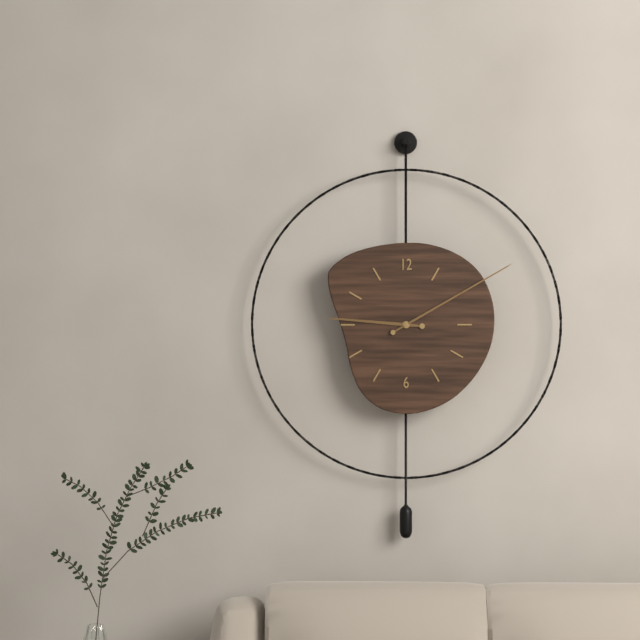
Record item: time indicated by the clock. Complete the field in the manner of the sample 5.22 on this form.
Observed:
9.10
